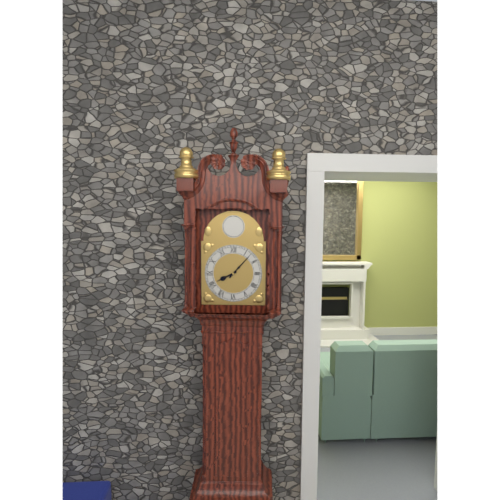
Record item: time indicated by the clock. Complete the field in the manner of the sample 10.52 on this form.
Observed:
8.07
